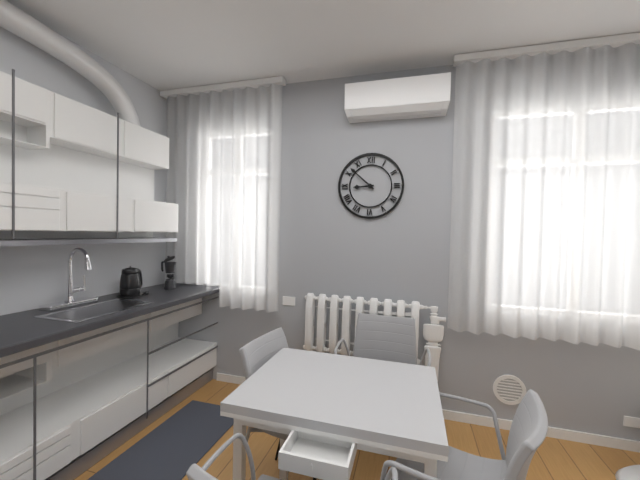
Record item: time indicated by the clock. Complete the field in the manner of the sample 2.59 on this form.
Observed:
8.52
